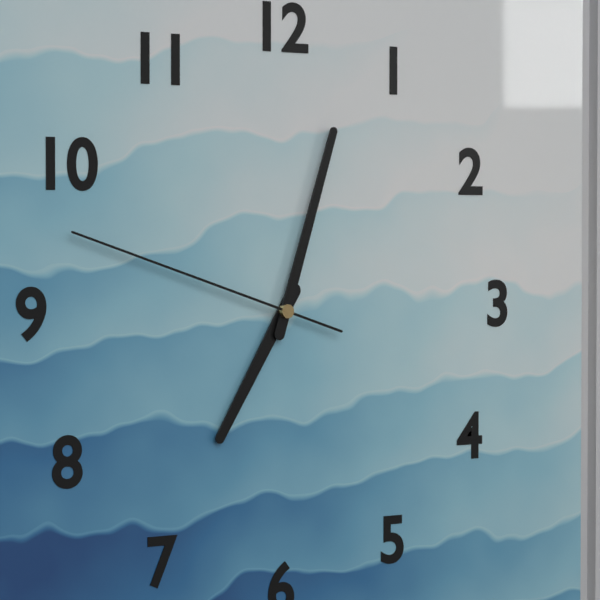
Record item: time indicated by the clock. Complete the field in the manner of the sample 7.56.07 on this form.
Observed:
7.03.48
